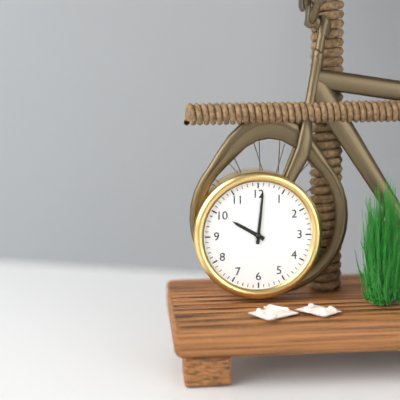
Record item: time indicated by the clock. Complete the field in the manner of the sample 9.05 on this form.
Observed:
10.01
